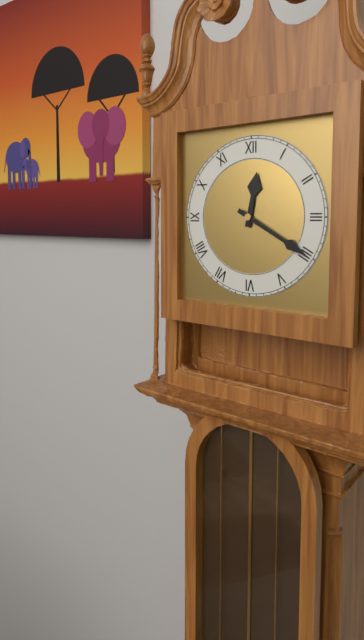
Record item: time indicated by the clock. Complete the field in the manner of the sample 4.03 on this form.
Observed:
12.20
